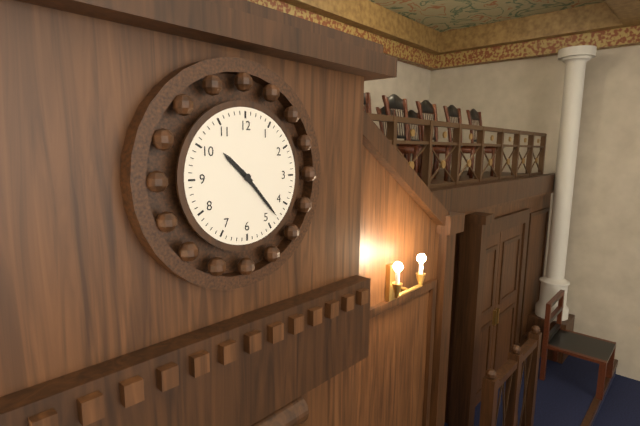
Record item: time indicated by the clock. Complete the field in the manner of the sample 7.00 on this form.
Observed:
10.23
